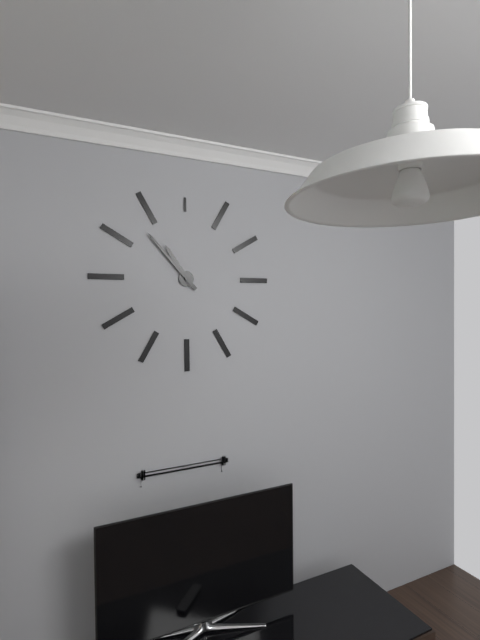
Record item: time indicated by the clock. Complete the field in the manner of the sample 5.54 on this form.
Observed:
10.53
